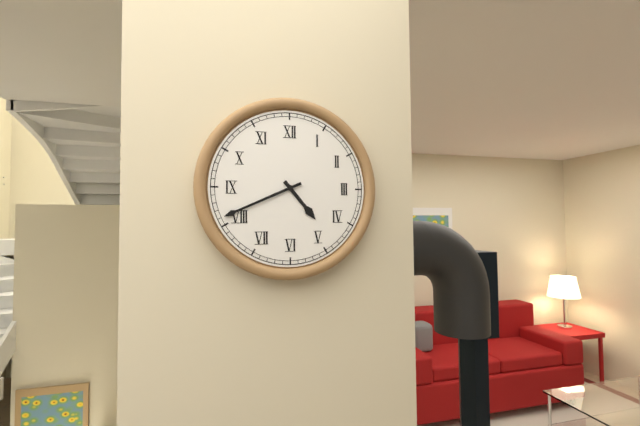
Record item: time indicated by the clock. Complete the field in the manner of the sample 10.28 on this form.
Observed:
4.41
